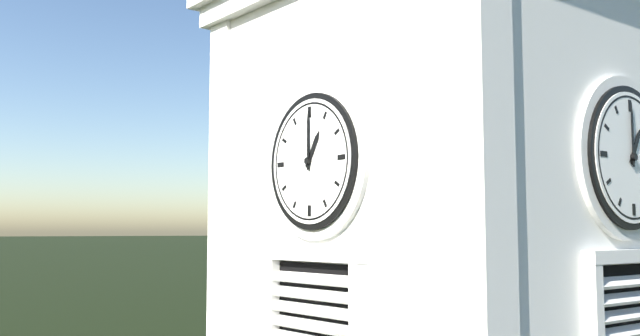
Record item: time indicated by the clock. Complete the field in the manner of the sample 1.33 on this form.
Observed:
1.00
